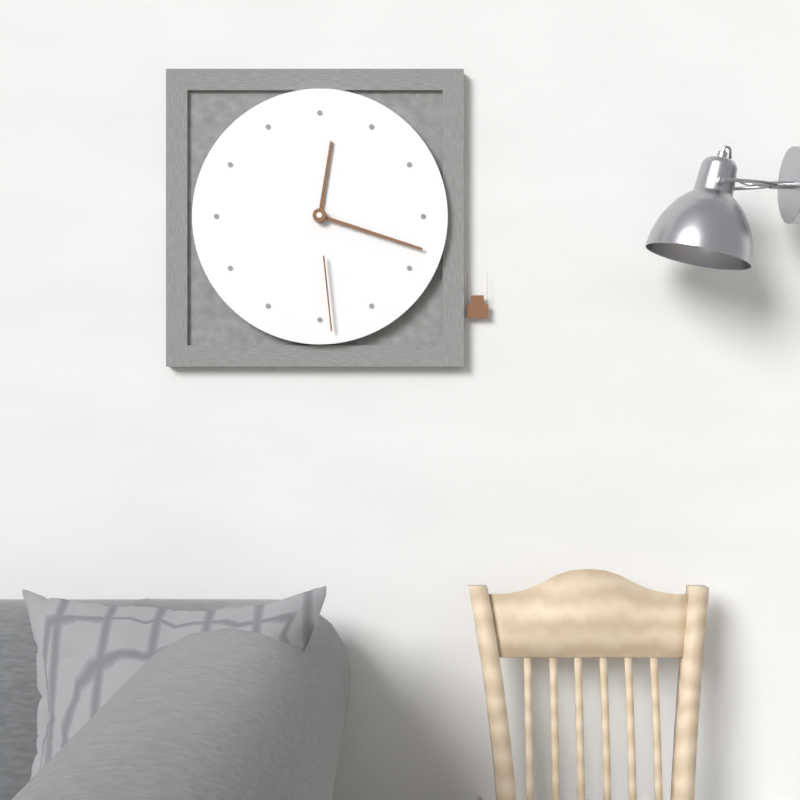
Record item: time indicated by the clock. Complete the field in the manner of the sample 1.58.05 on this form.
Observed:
12.18.29
